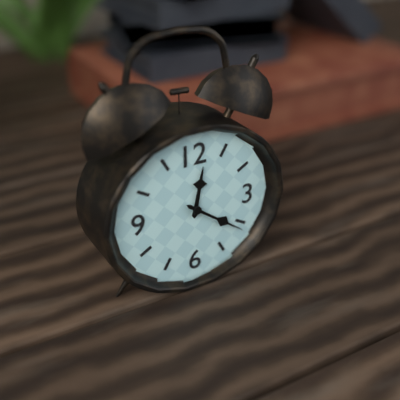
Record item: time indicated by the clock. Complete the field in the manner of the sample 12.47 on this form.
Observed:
12.21
